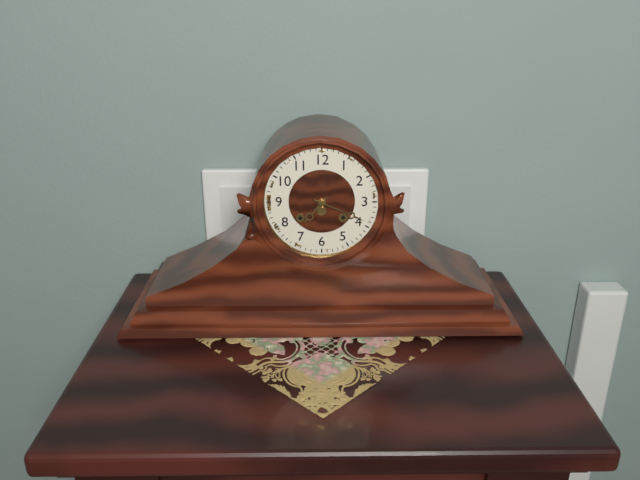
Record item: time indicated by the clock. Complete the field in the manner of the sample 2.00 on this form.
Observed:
7.19
